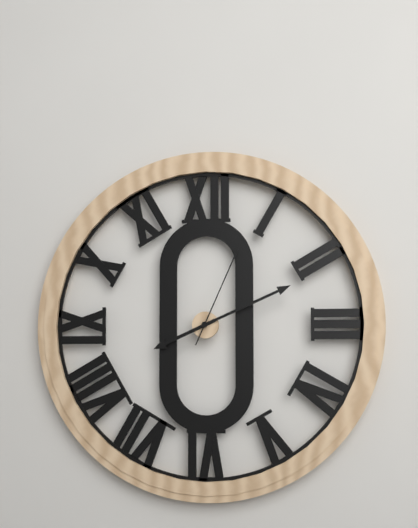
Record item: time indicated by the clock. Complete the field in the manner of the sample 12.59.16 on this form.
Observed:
8.11.04
